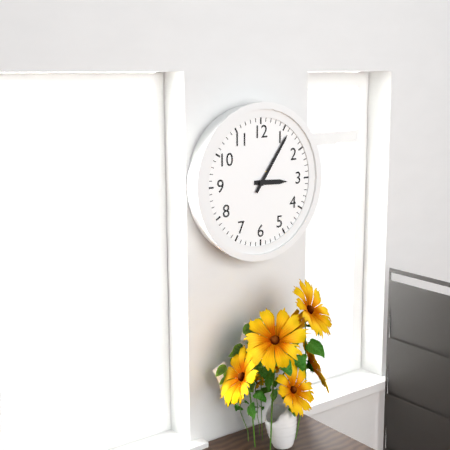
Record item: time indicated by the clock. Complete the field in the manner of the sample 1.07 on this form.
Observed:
3.06
